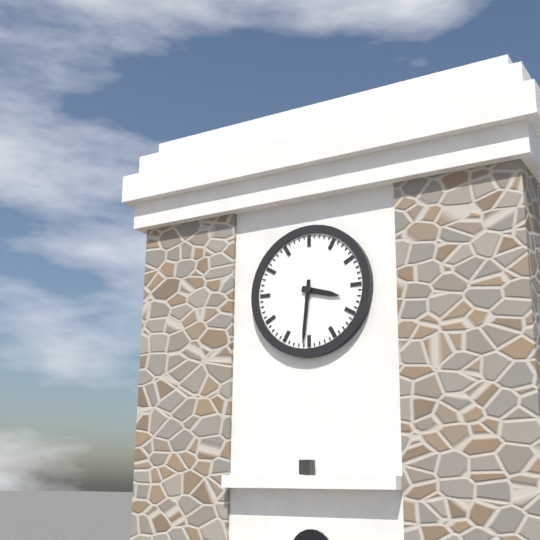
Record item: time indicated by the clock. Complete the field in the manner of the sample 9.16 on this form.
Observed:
3.31
